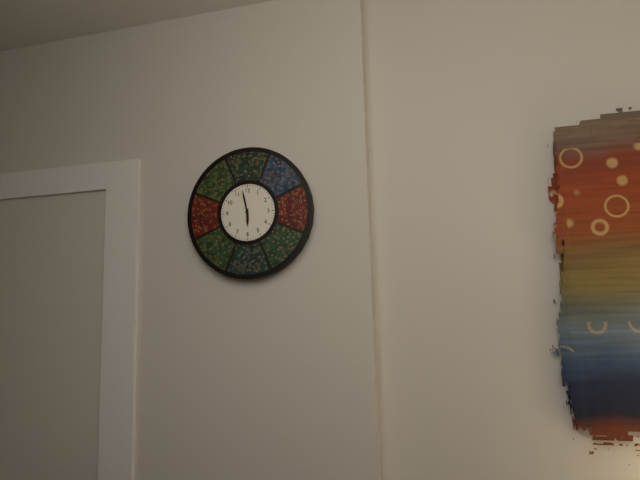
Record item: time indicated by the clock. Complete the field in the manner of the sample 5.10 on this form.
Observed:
5.58
